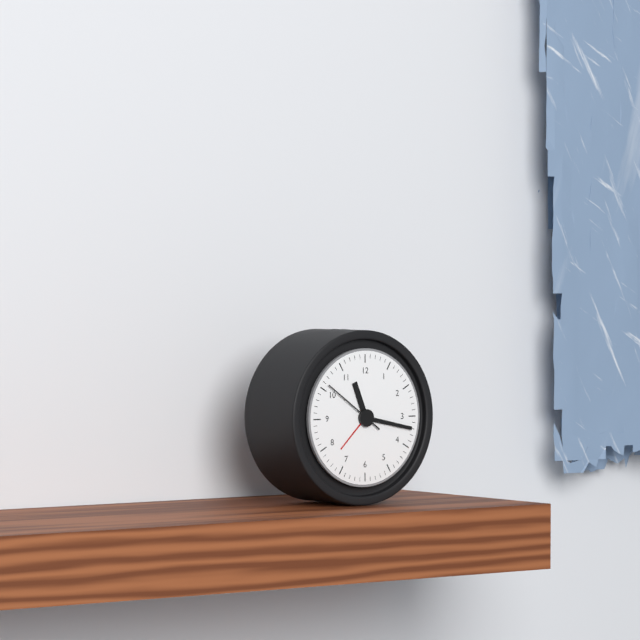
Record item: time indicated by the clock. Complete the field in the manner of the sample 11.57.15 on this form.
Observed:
11.17.51
